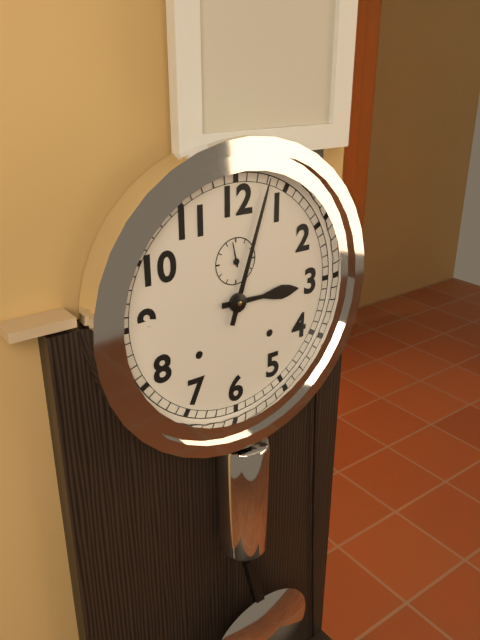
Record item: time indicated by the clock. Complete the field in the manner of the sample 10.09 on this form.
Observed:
3.03
